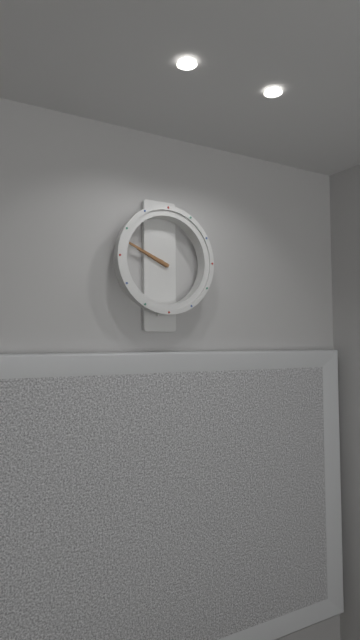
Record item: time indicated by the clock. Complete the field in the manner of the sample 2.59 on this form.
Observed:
9.49
